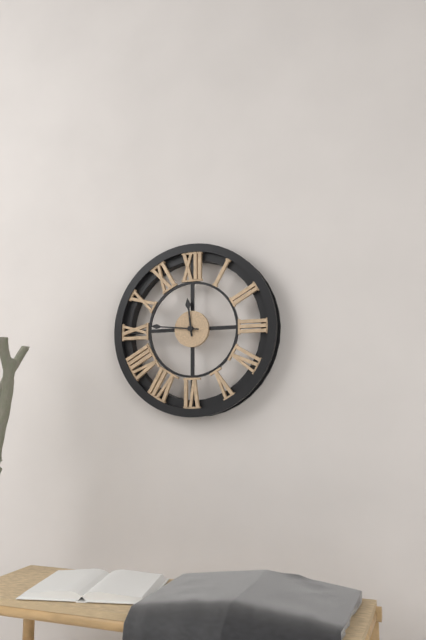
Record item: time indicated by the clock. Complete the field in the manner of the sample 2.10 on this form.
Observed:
11.46
